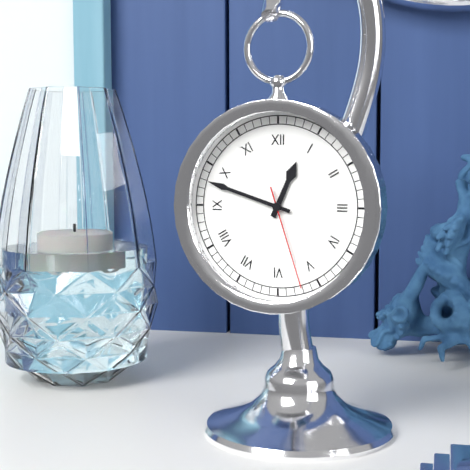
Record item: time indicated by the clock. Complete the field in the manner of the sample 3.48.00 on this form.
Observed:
12.48.27
